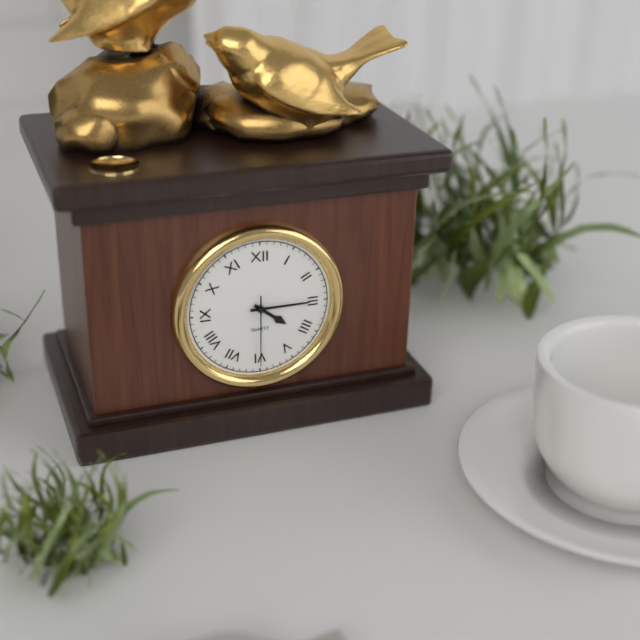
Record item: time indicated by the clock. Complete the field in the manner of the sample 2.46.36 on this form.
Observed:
4.15.30
